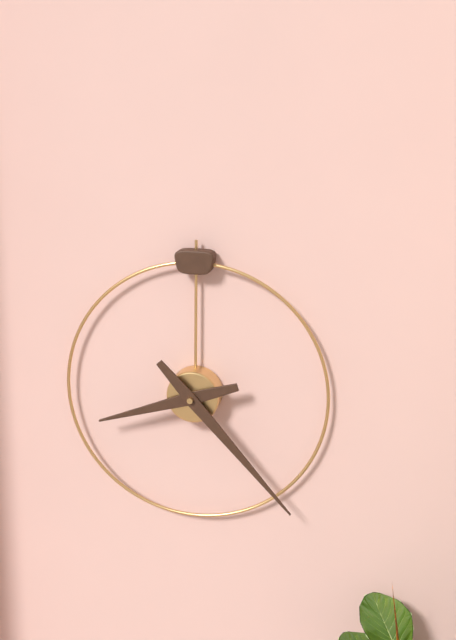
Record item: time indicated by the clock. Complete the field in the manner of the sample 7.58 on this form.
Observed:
8.23
